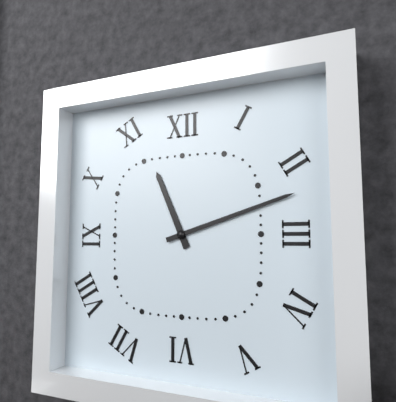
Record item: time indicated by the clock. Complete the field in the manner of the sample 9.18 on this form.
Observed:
11.12
